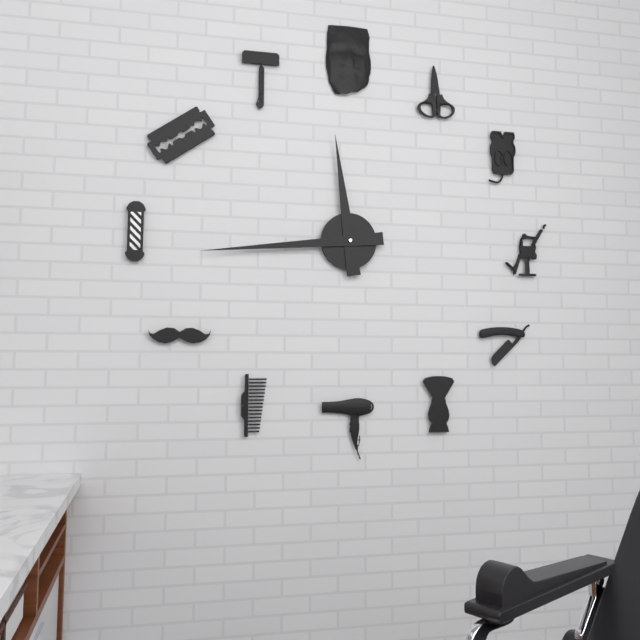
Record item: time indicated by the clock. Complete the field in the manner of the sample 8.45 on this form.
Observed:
11.44
